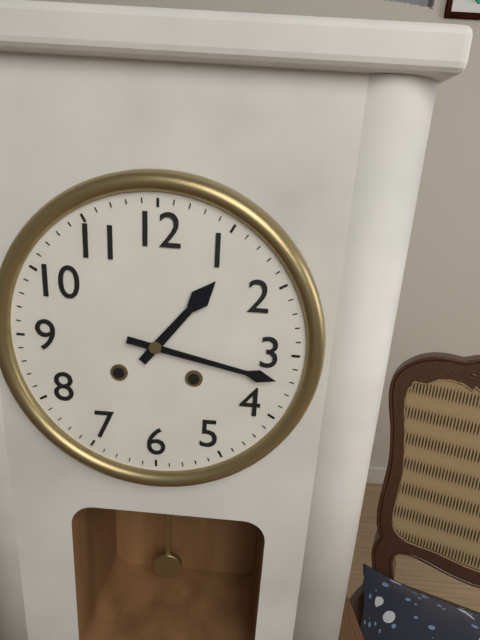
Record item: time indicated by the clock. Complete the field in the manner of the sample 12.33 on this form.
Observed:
1.17
